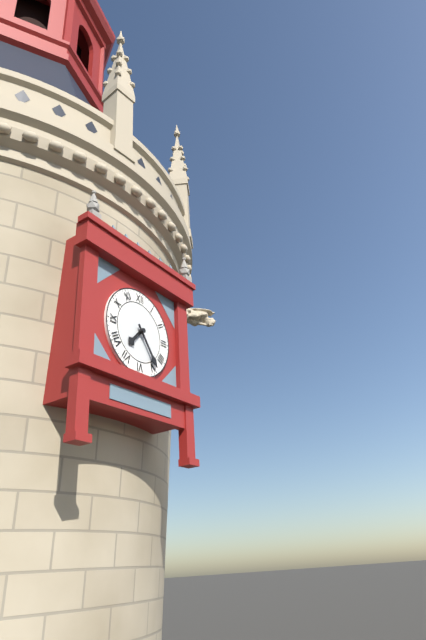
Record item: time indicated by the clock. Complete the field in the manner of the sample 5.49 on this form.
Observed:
7.24
